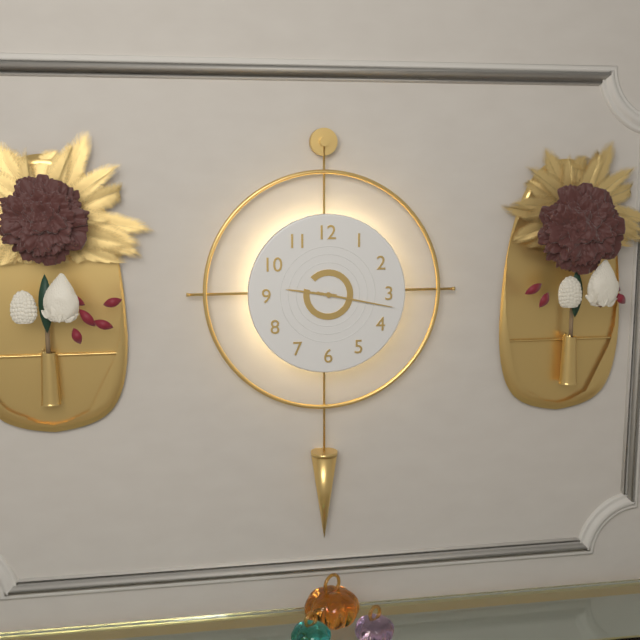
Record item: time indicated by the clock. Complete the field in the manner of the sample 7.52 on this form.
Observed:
9.17
